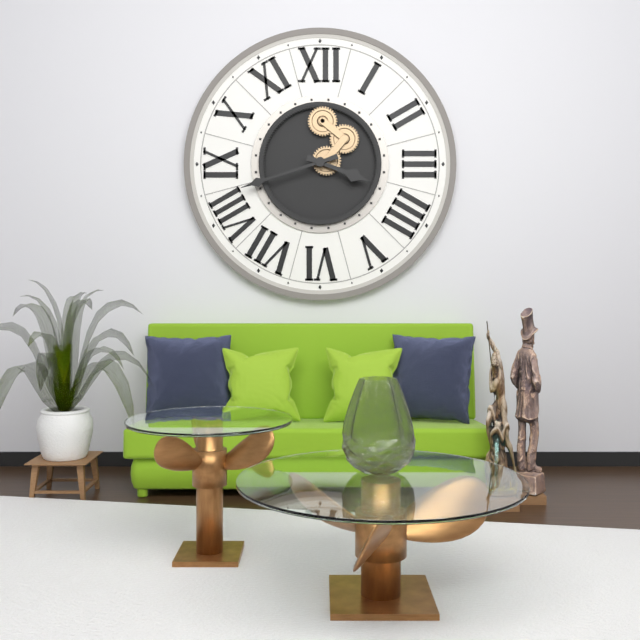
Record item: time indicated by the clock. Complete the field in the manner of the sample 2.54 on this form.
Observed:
3.42
